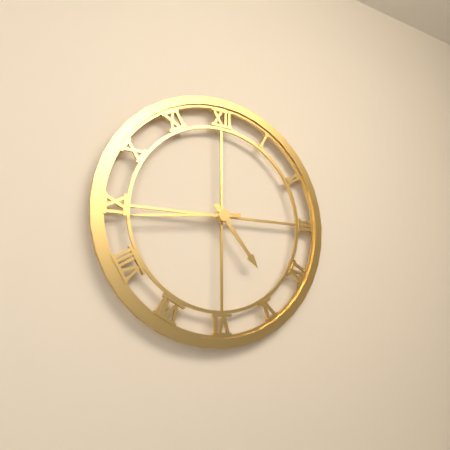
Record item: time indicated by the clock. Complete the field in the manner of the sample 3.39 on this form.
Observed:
4.44
